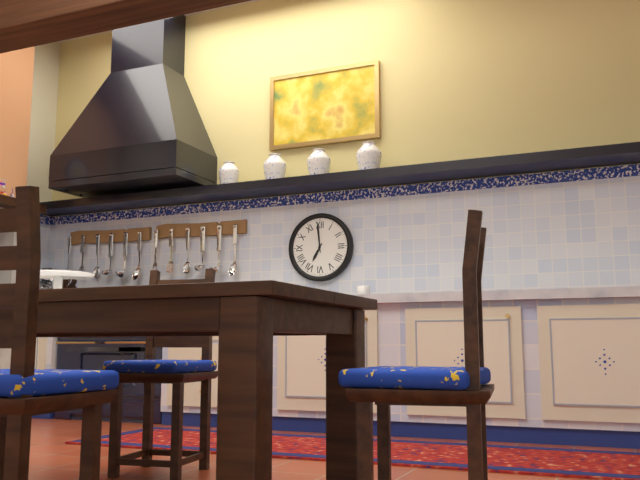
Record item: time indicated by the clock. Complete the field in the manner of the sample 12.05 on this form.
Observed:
6.59
